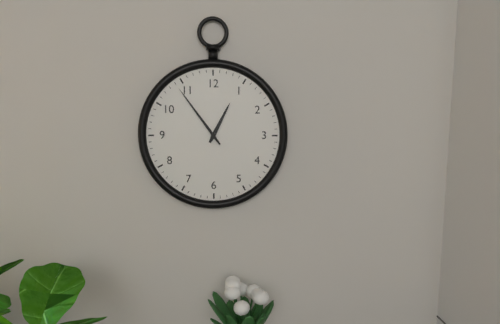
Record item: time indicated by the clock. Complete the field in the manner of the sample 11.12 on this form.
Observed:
12.54
